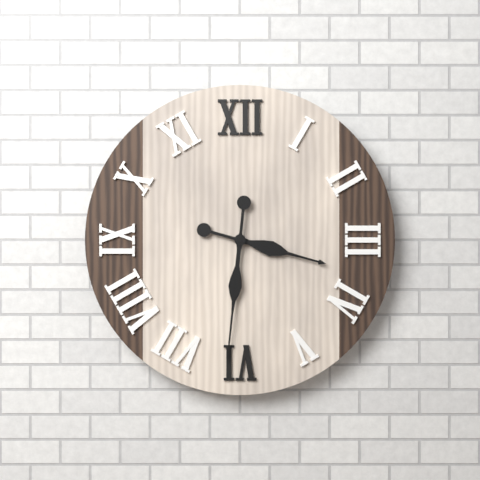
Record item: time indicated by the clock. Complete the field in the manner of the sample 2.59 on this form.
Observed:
3.31
